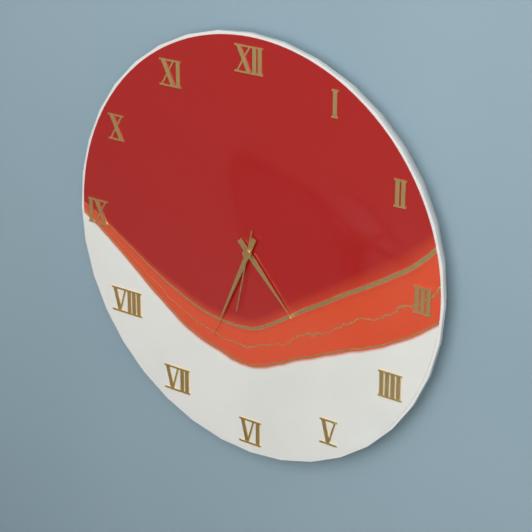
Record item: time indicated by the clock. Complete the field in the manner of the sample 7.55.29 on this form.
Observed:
4.34.32
